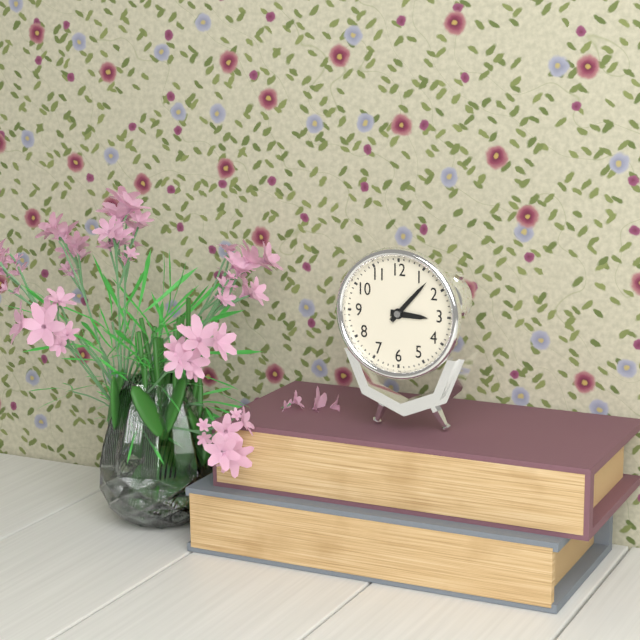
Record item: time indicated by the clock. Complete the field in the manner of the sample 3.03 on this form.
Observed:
3.07
